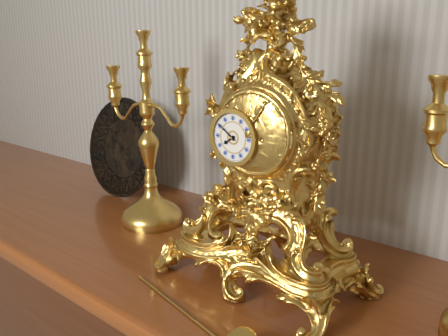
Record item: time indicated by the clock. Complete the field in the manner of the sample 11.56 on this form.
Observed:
7.51
